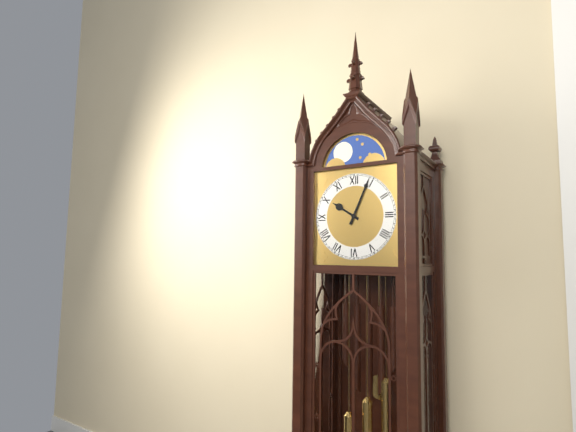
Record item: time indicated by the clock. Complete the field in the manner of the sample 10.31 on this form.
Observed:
10.04
